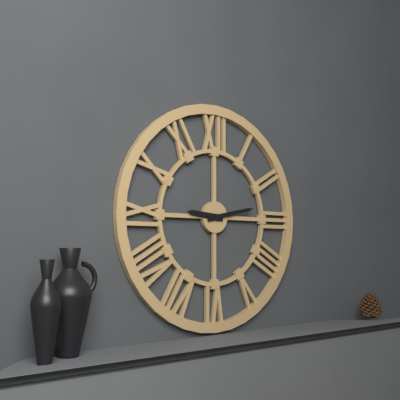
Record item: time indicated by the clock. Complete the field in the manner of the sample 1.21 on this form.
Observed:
9.13
